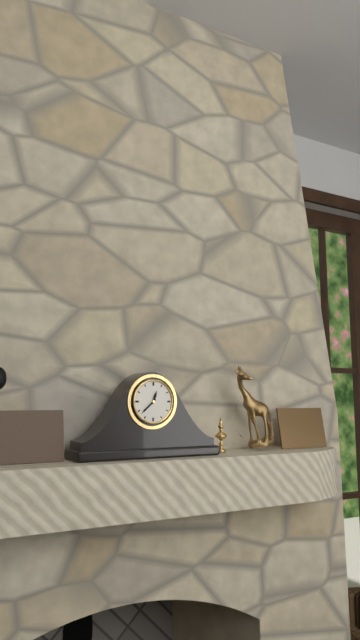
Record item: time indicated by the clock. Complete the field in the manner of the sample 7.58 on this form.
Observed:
12.38
